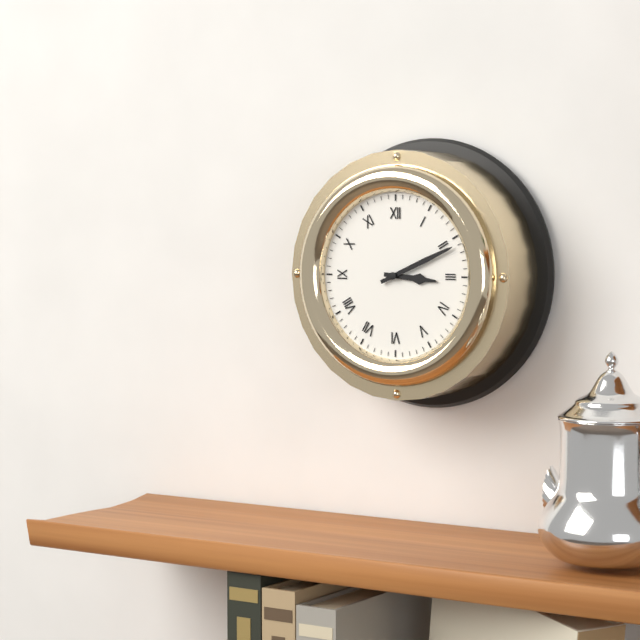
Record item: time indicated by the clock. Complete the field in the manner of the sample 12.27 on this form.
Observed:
3.11
